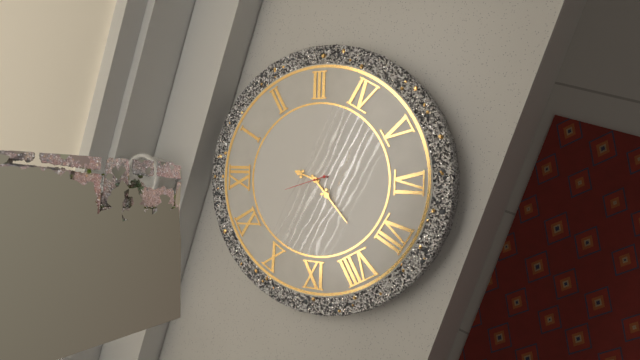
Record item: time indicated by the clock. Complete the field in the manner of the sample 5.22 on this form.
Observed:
12.38
